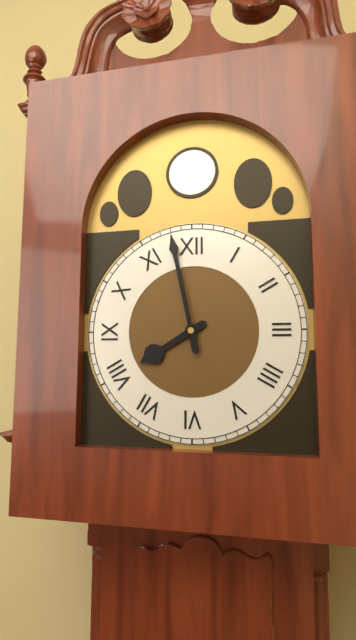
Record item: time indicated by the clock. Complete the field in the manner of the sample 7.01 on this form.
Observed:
7.58
